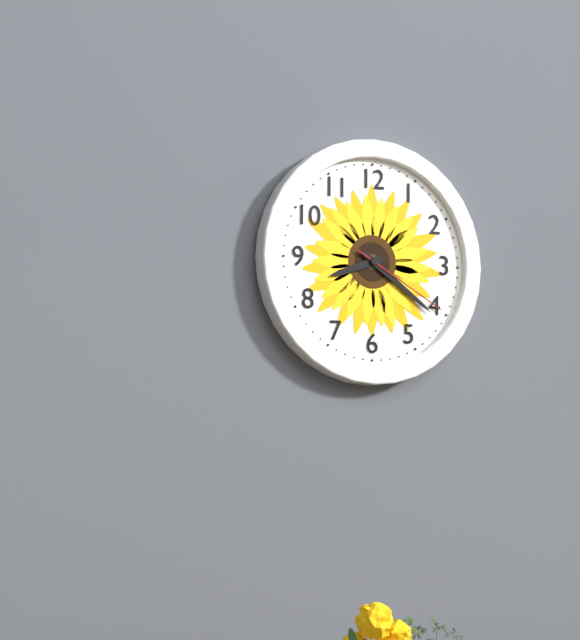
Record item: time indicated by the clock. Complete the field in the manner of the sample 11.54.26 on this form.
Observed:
8.21.20
